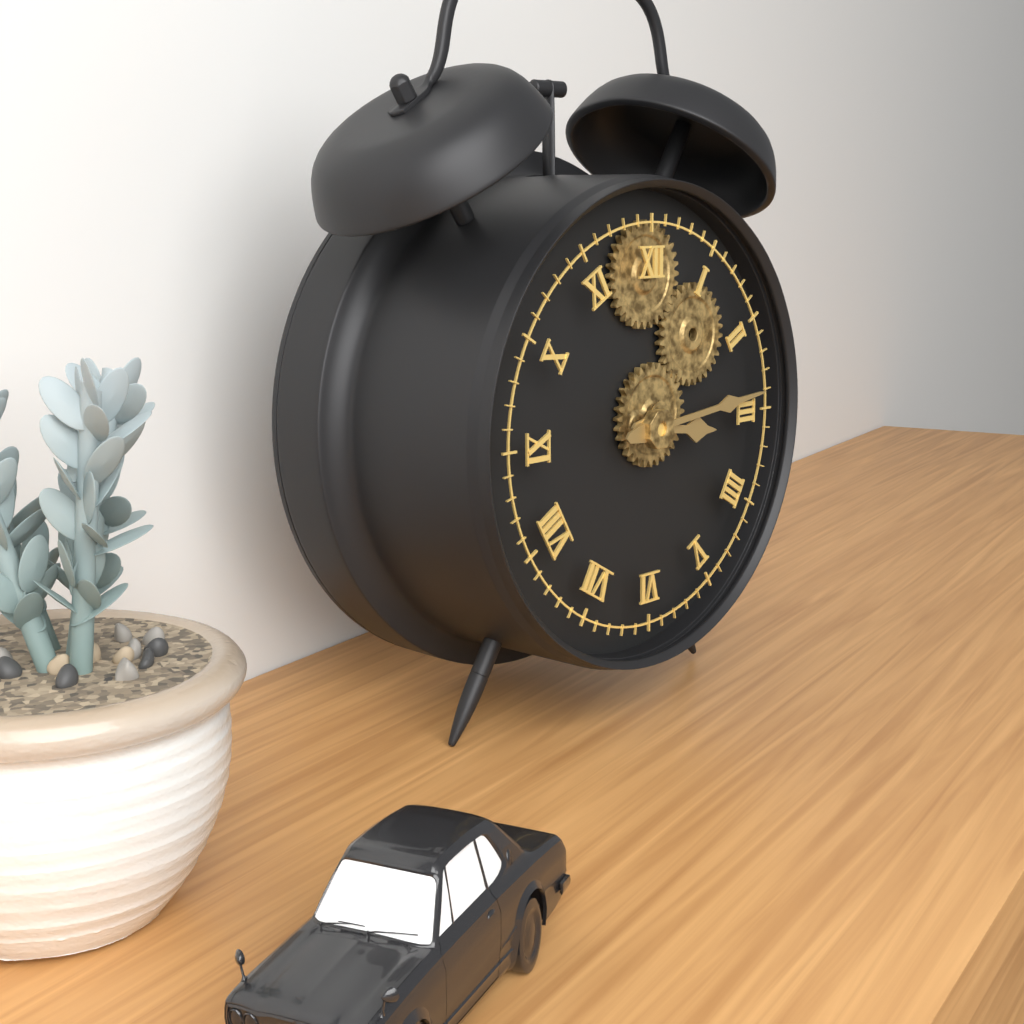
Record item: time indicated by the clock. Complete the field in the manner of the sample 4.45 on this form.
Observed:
3.14
